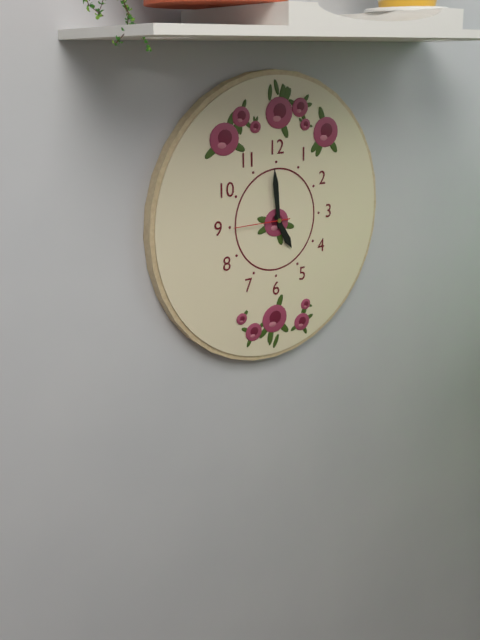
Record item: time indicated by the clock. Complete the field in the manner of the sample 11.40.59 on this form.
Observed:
4.59.45
